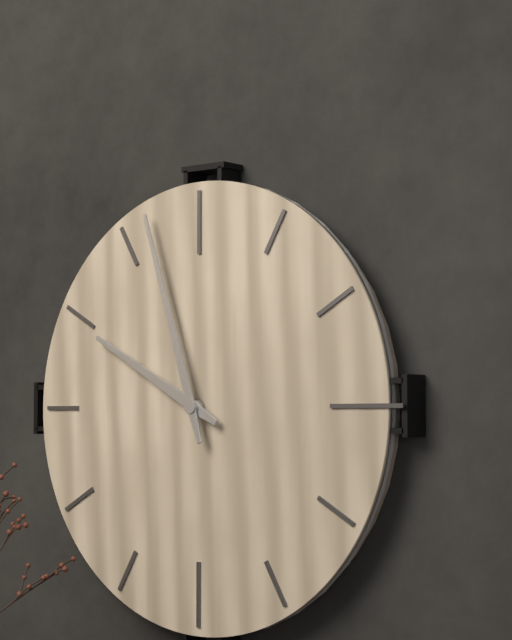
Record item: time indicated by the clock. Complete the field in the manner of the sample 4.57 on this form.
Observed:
9.57
